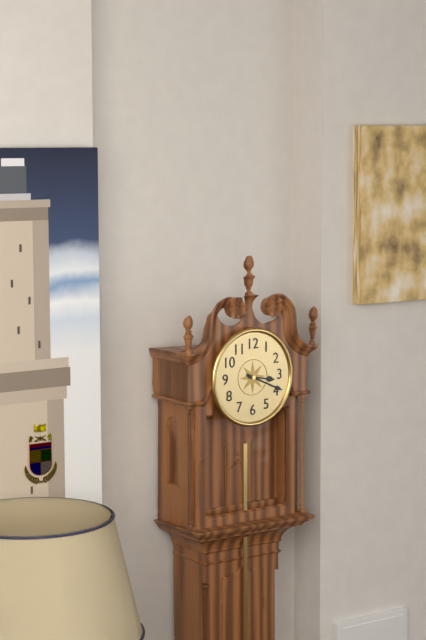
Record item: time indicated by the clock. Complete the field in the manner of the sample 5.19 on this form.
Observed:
3.19
